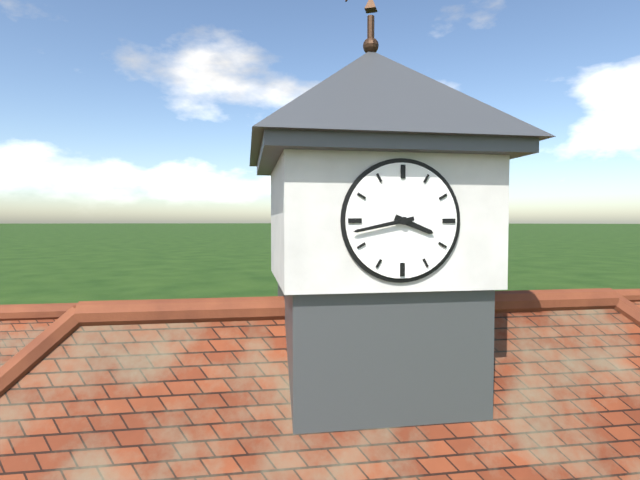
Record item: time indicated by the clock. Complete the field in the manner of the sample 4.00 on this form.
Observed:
3.43
